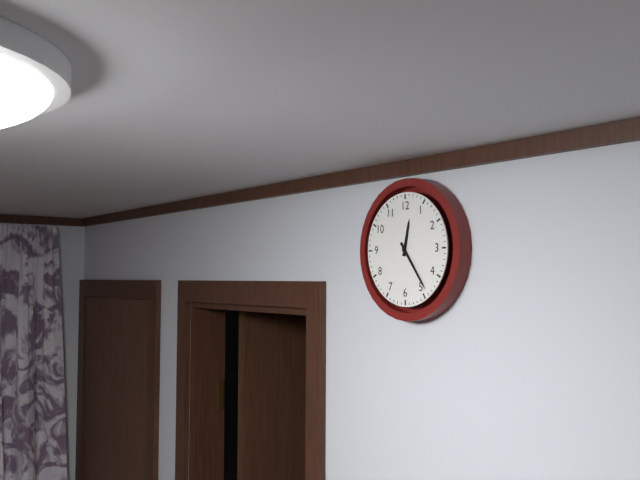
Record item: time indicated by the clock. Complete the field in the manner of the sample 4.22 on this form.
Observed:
12.24
